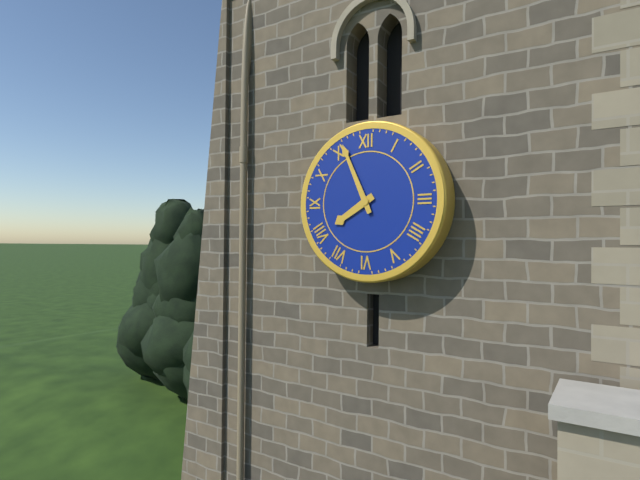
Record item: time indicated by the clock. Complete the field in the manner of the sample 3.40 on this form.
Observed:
7.56
